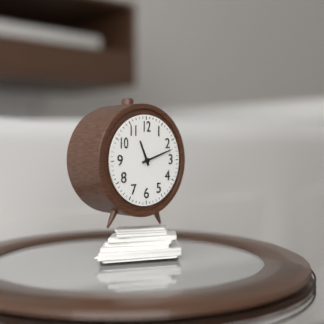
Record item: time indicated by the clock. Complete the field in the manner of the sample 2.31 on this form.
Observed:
11.12
